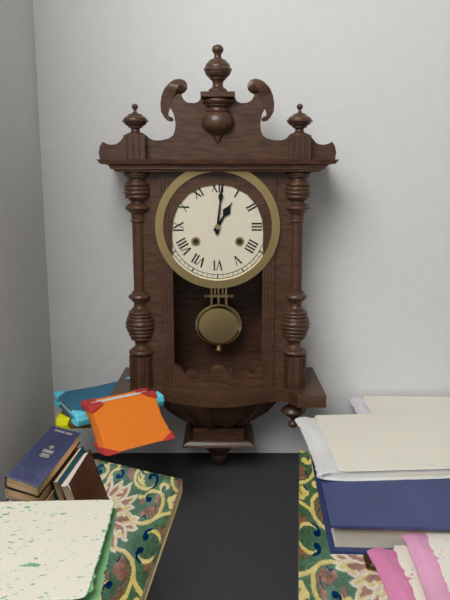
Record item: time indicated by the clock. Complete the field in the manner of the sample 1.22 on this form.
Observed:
1.01
